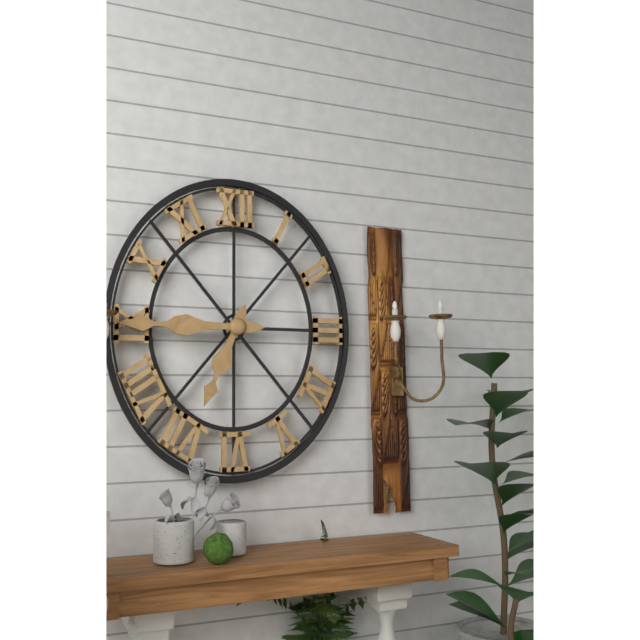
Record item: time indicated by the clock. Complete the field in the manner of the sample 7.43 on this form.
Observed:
6.45
